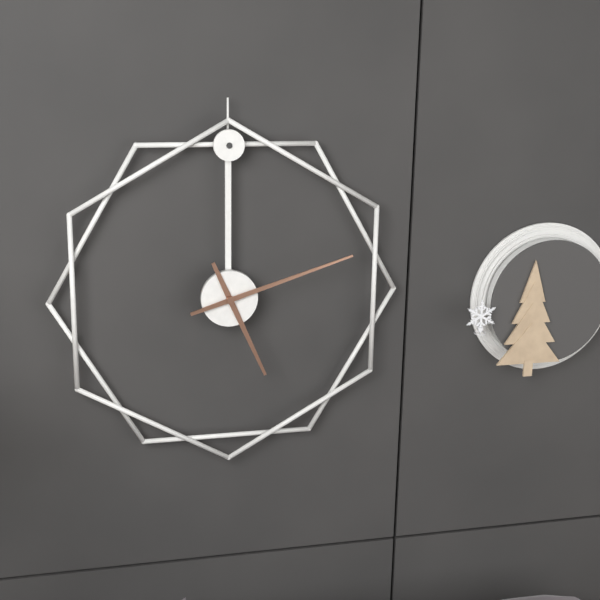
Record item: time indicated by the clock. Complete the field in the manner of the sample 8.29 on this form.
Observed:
5.12
